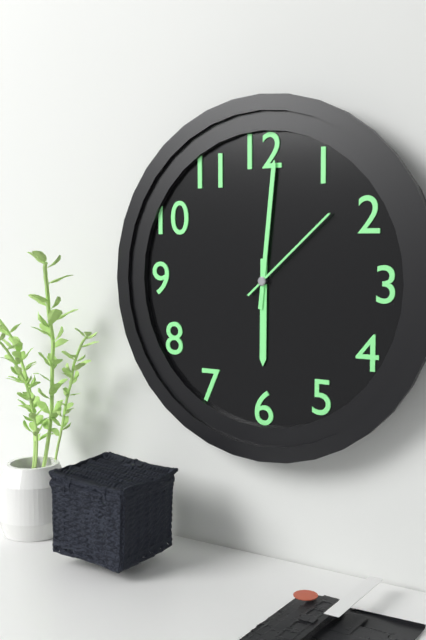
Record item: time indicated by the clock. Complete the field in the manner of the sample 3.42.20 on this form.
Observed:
6.01.08
